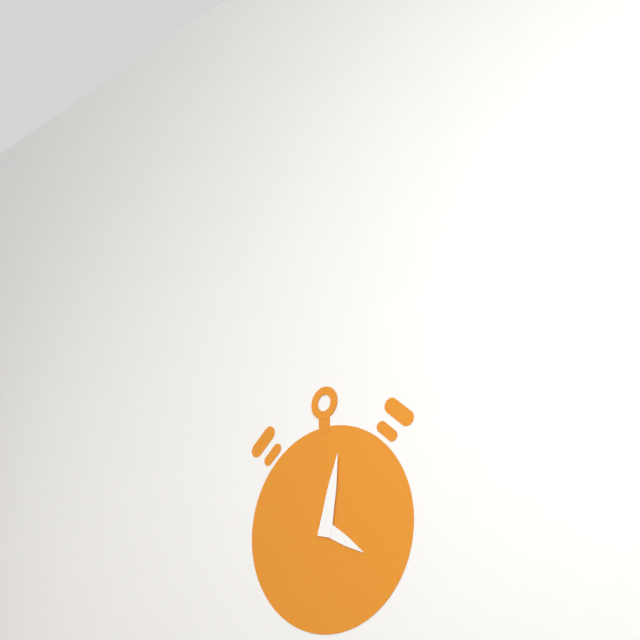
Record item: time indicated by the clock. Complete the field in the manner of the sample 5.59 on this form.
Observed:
4.02
